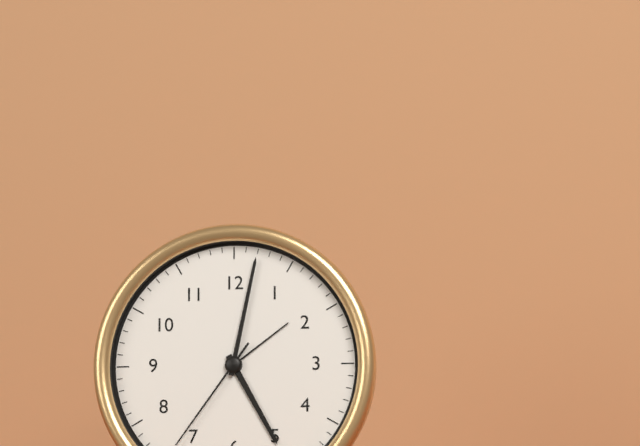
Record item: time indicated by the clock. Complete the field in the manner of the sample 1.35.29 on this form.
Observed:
5.02.36
